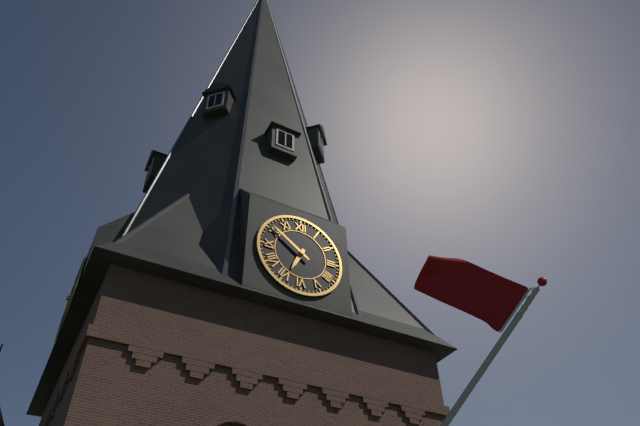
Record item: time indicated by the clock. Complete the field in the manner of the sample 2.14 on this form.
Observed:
6.51
